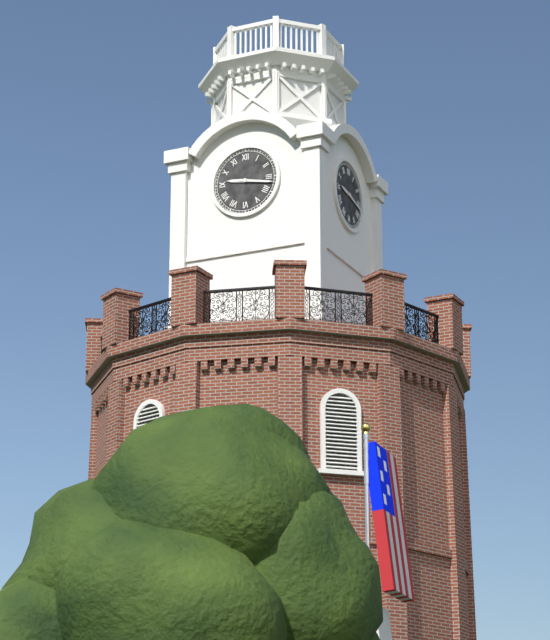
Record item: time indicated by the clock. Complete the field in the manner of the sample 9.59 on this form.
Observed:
9.17
